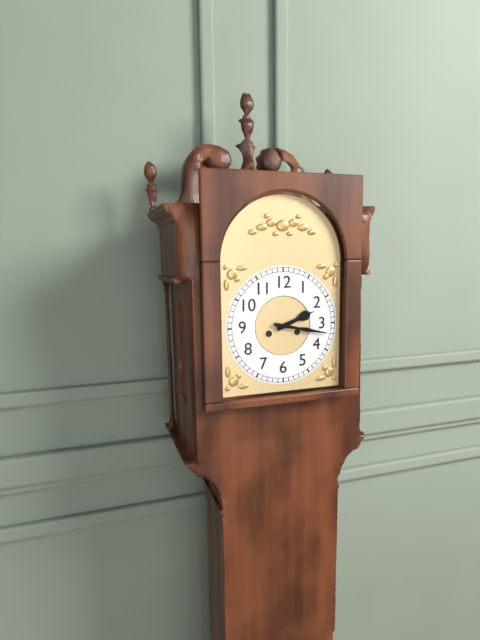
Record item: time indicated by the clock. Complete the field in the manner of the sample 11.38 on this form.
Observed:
2.17
